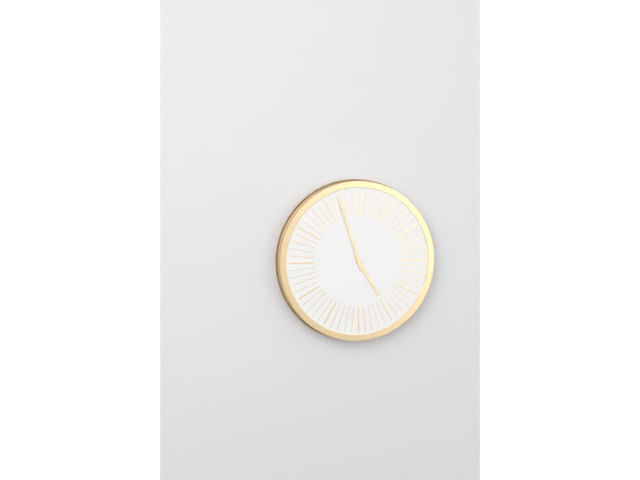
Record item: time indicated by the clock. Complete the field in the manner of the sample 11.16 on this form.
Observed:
4.57
